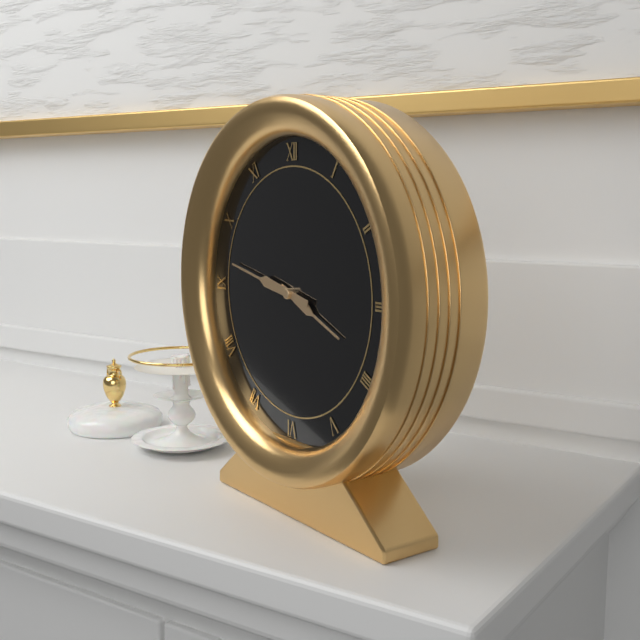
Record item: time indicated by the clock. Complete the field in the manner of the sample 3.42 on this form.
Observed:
3.47
